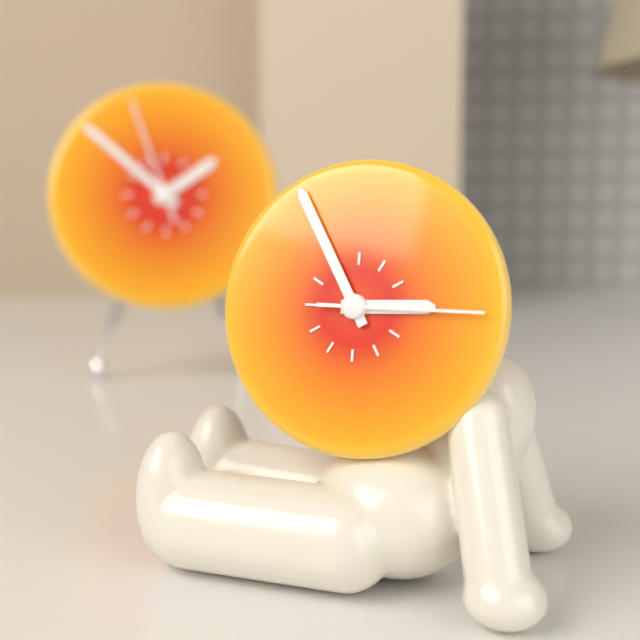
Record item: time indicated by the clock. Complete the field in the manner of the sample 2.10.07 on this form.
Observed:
2.55.15
